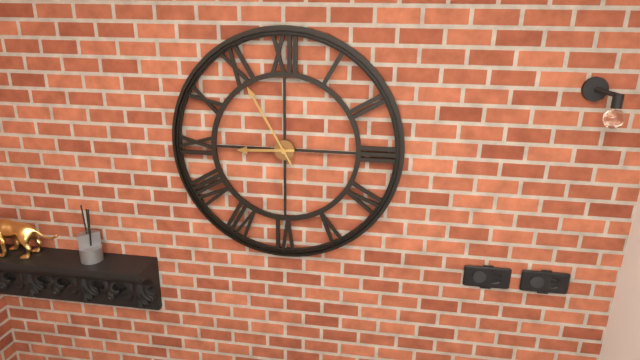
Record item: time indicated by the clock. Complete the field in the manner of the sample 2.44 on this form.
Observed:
8.55
